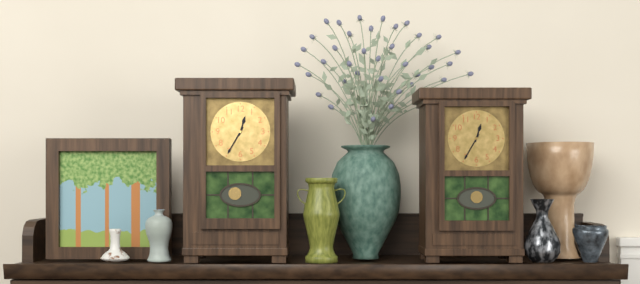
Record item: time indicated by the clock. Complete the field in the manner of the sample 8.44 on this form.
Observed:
12.35
